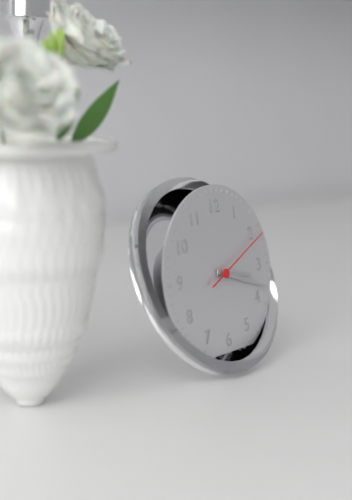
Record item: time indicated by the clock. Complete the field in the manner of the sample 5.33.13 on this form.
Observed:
3.18.11
